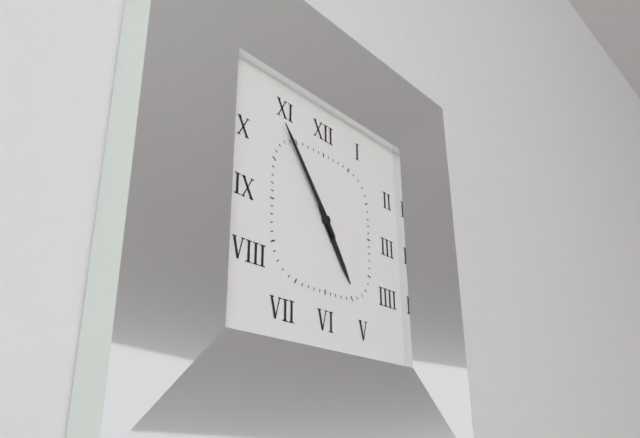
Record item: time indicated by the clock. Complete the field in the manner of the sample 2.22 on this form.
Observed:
4.54
